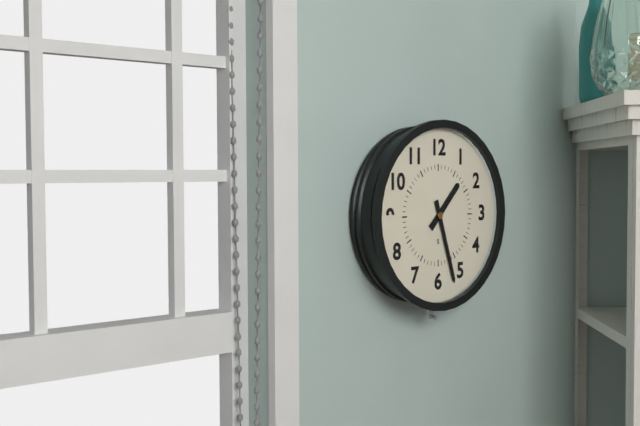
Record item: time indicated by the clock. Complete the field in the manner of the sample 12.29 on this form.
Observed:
1.27
